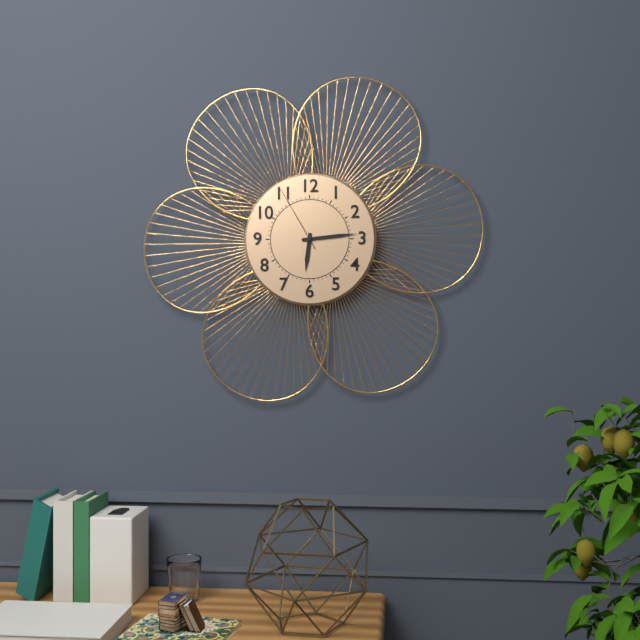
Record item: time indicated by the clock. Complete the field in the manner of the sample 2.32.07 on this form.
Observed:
6.14.55
